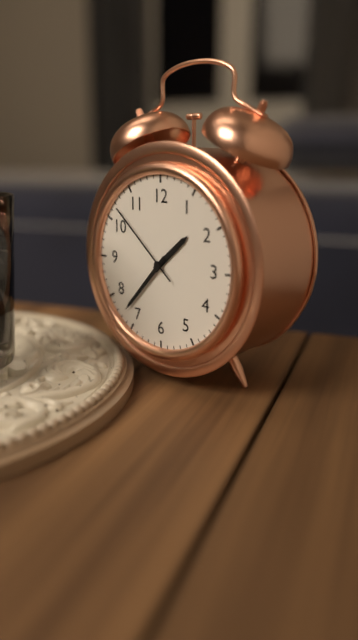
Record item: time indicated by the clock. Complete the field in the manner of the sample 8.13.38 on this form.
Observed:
1.37.52
